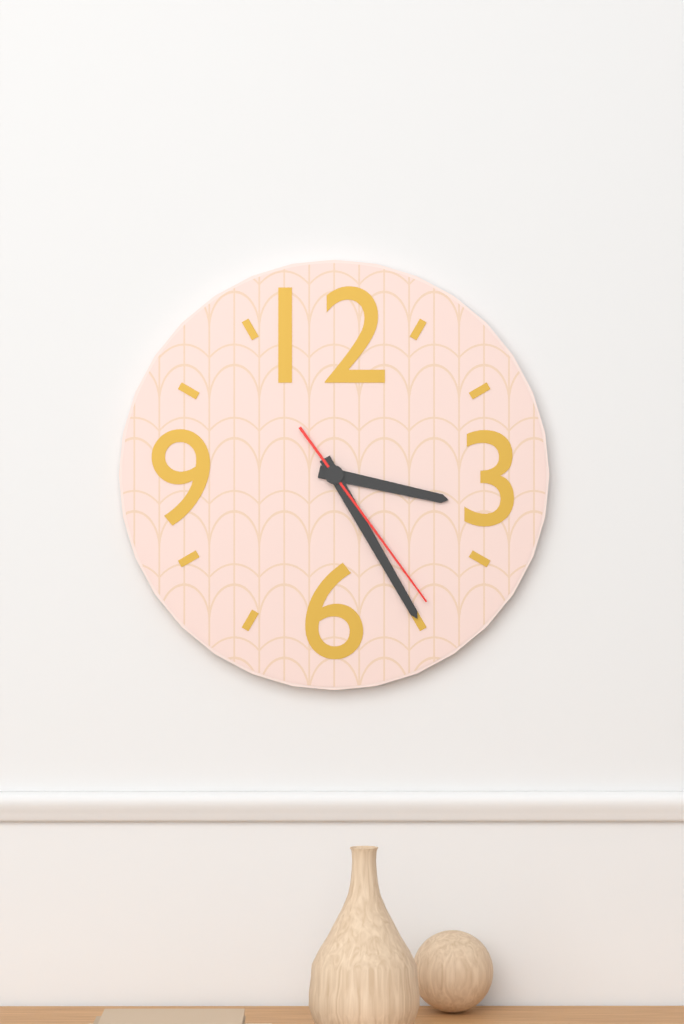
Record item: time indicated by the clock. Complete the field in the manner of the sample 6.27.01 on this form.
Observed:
3.25.24
